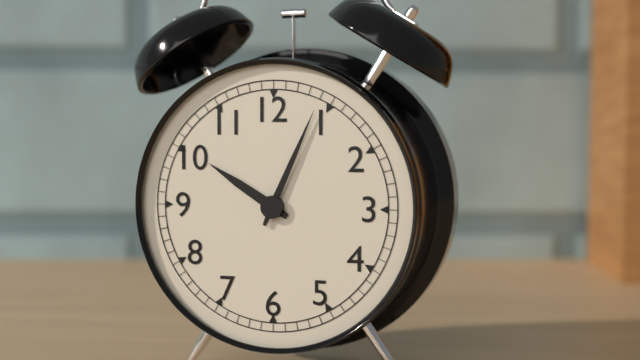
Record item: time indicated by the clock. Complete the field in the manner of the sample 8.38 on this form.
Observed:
10.04
